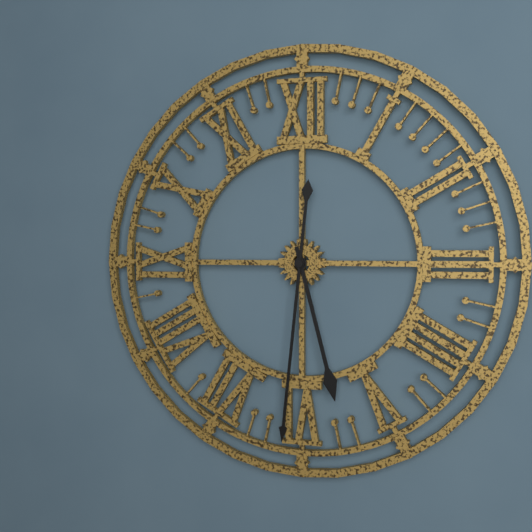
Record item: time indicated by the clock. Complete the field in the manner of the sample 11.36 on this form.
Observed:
5.31
